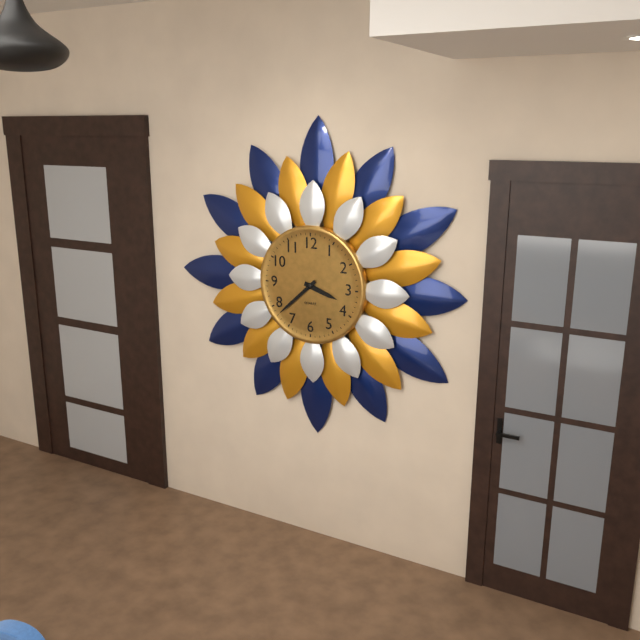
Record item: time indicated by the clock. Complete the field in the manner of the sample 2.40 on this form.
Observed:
3.38
